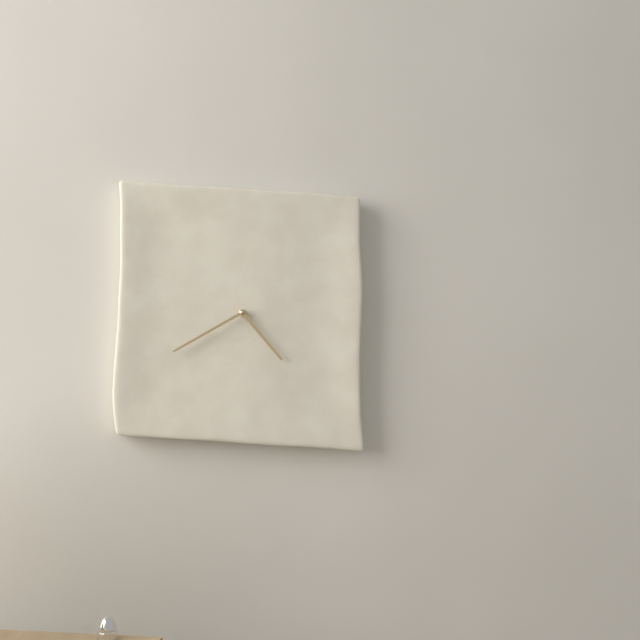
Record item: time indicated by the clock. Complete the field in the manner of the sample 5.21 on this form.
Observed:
4.40
